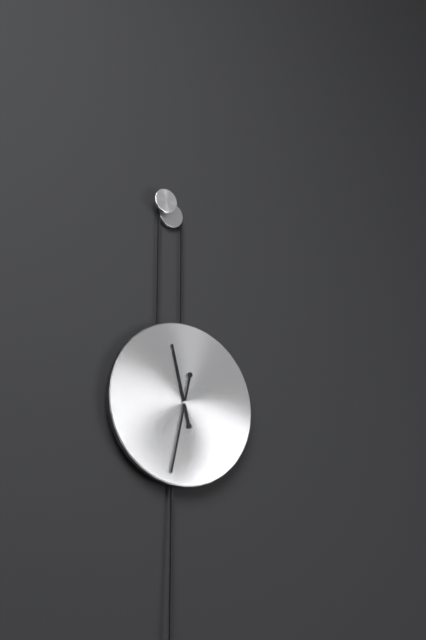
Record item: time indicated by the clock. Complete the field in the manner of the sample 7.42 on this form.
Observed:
11.32
